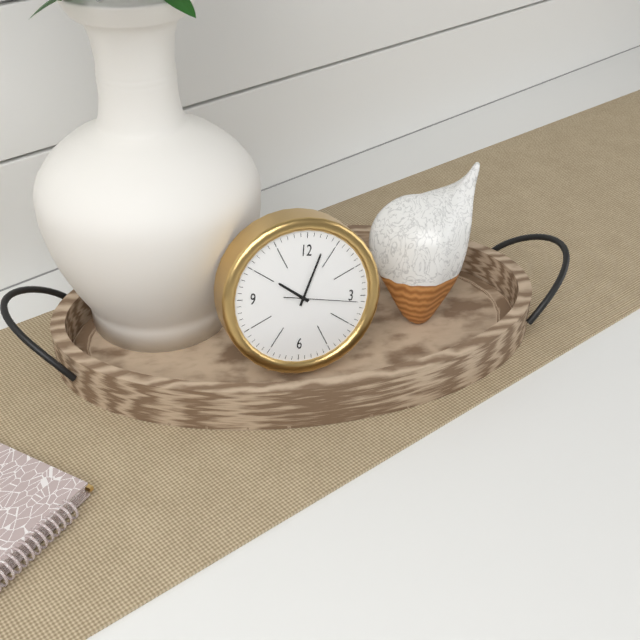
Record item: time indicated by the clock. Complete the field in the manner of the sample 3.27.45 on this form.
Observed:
10.03.16
